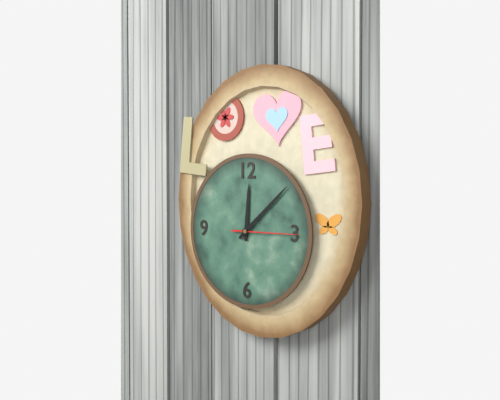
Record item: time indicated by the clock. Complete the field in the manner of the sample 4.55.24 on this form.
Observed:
12.08.15
